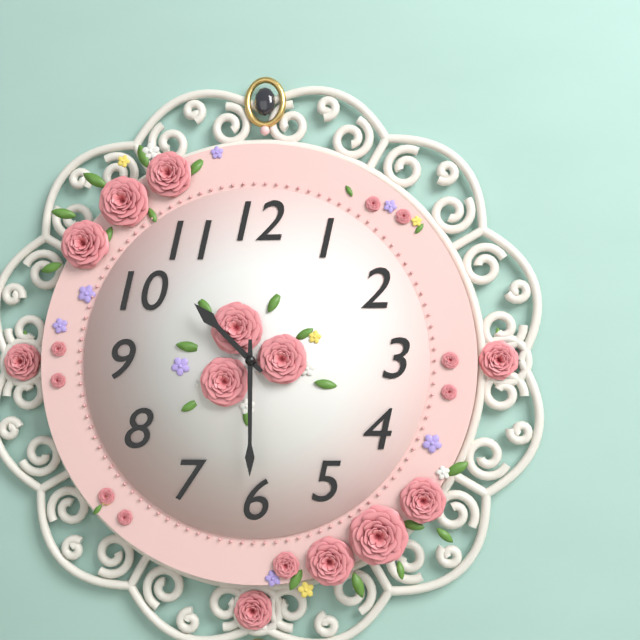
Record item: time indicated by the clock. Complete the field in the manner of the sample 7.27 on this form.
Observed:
10.30
